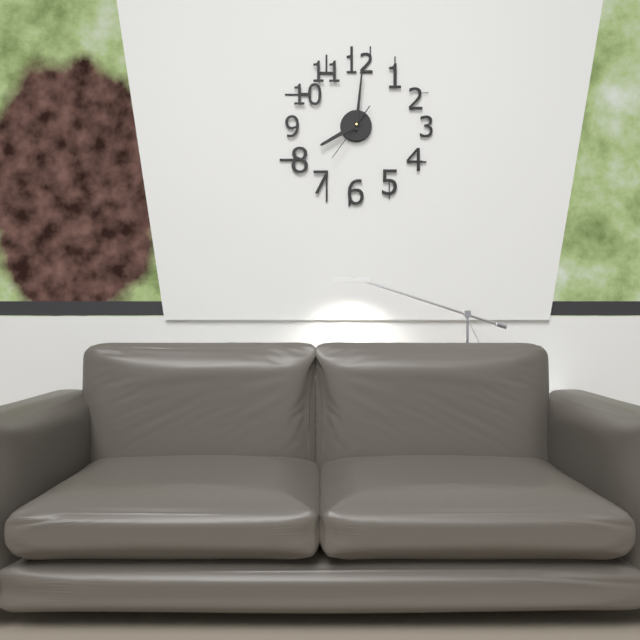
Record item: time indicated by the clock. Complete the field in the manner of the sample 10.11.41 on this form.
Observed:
8.01.36
